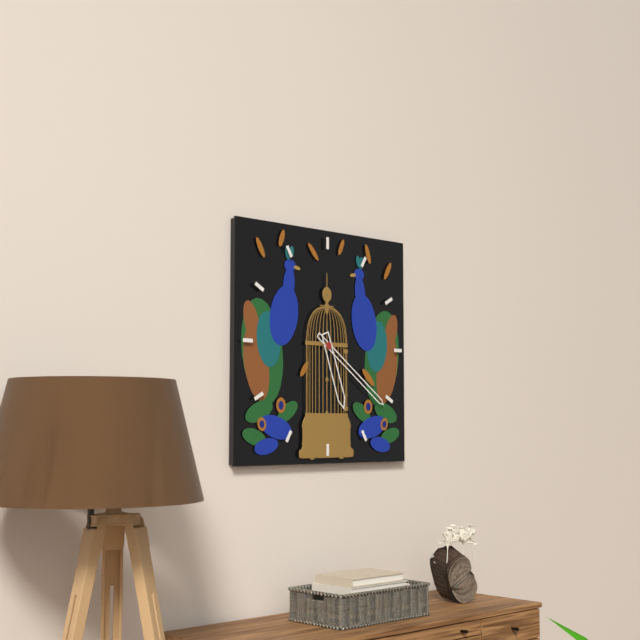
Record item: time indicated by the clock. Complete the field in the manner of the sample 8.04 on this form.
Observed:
5.21
